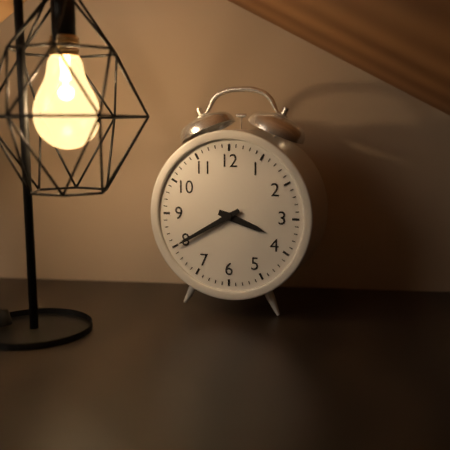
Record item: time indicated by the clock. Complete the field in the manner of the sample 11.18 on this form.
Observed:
3.40
